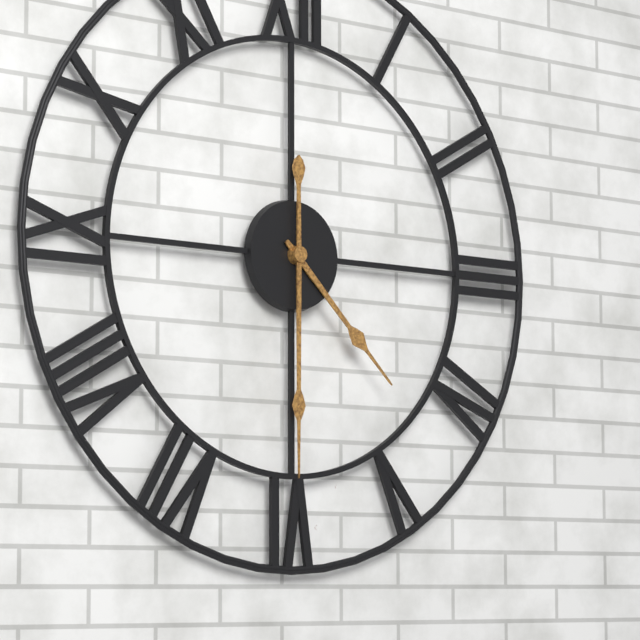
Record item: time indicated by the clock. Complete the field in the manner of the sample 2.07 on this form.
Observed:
4.30
